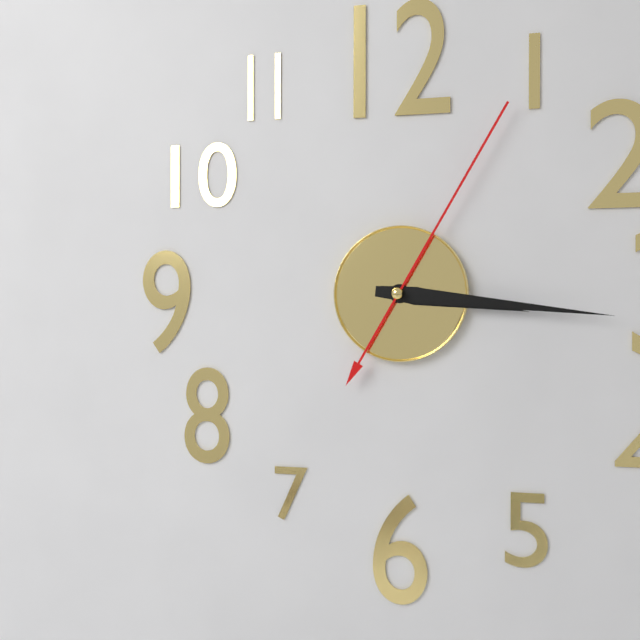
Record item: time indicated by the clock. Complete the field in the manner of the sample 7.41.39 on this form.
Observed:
3.16.05
